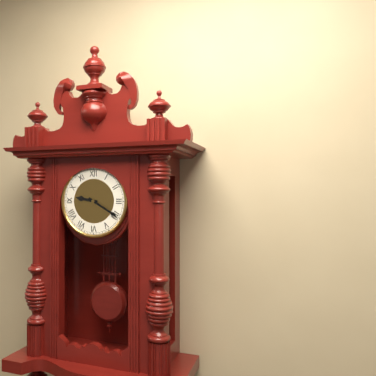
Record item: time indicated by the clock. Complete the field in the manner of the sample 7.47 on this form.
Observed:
9.20
